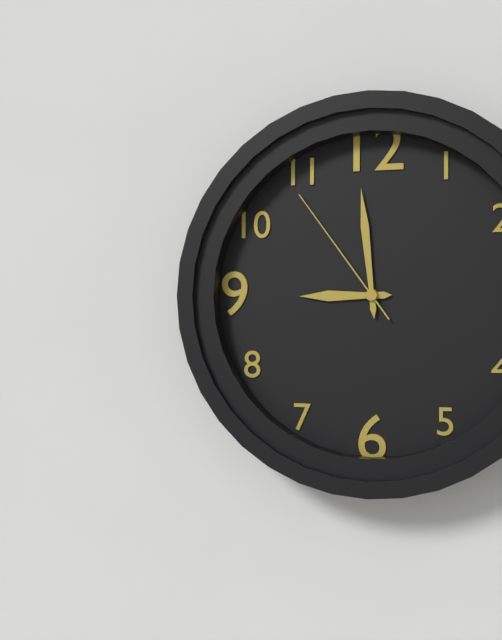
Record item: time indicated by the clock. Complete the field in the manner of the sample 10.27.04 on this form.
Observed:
8.59.54
